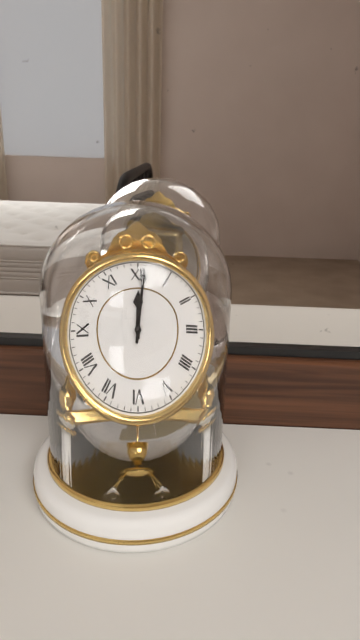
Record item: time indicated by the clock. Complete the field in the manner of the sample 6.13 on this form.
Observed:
12.01
